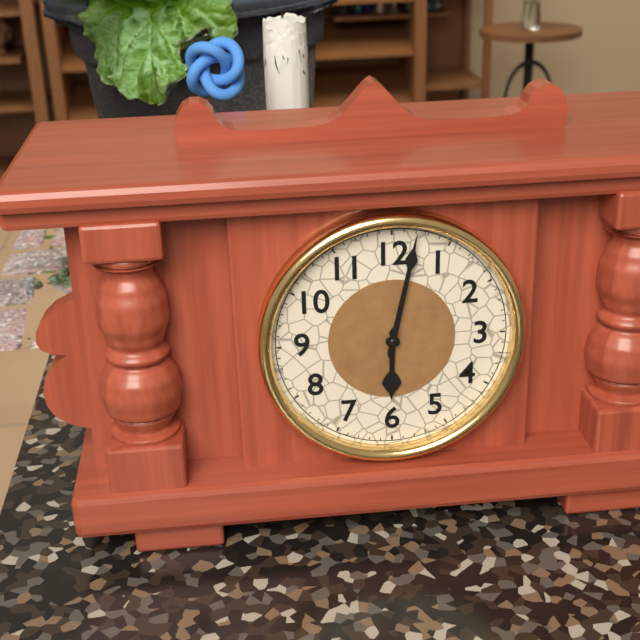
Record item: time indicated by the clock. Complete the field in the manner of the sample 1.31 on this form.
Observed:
6.02
